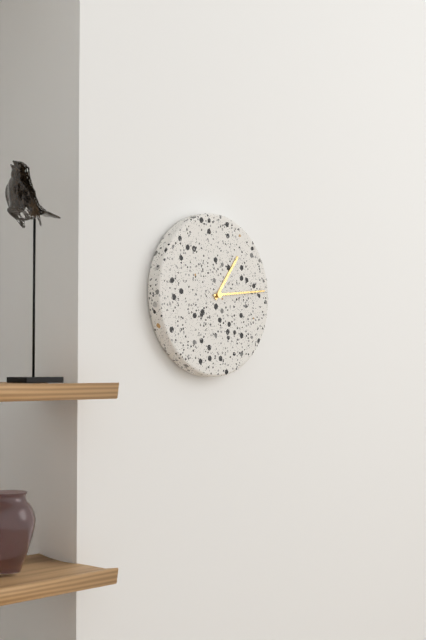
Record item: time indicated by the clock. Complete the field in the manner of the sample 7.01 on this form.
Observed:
1.14
